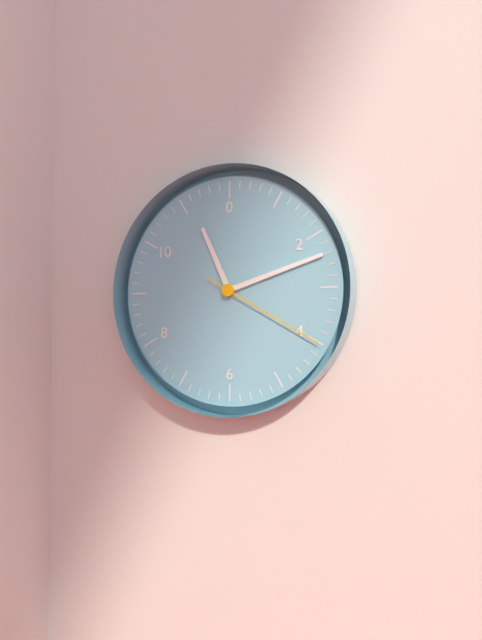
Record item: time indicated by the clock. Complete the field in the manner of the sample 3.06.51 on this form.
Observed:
11.12.20
